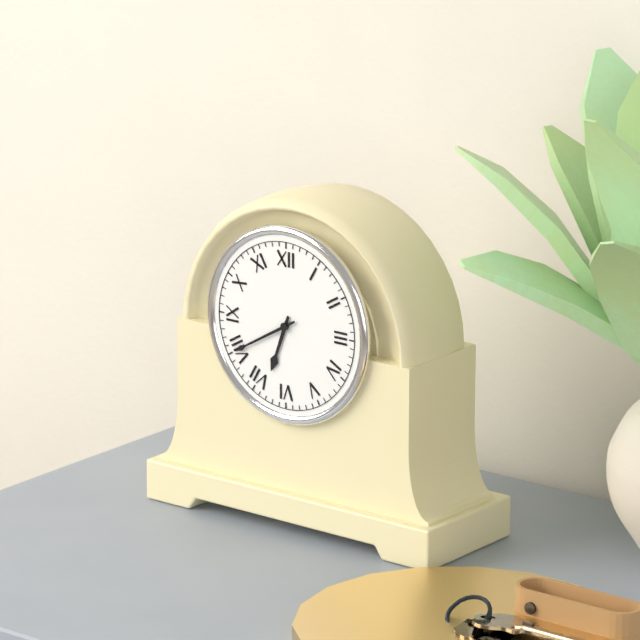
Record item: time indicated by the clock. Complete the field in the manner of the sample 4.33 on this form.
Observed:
6.40
